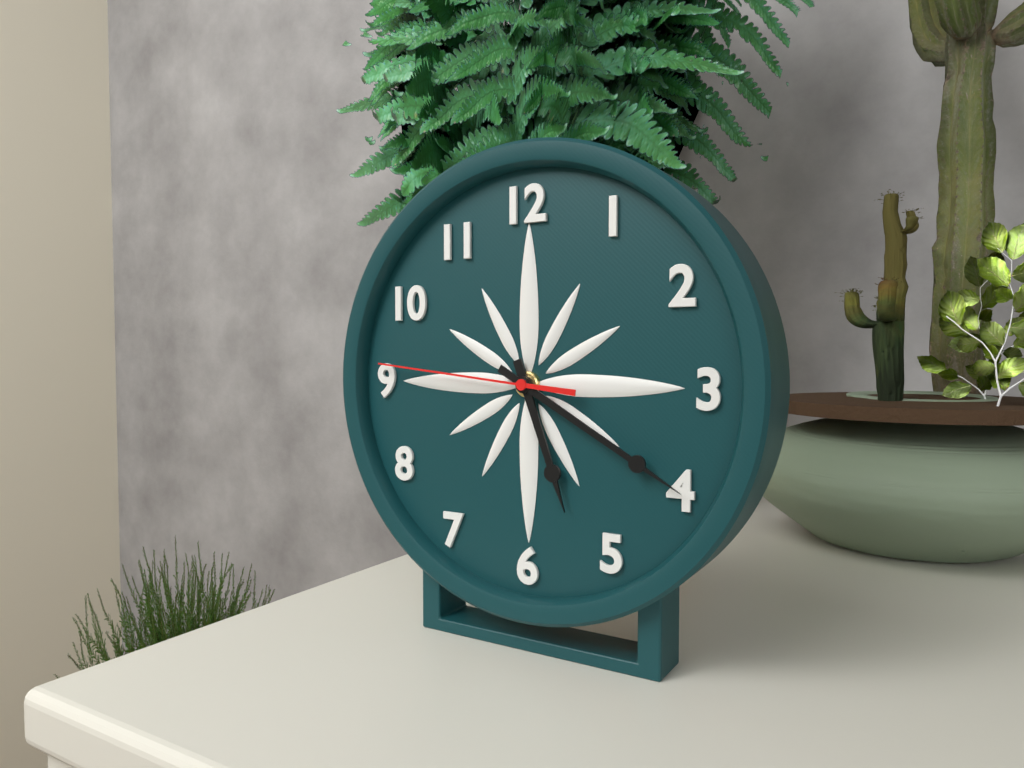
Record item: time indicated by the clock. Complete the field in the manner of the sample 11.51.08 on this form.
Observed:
5.20.46
